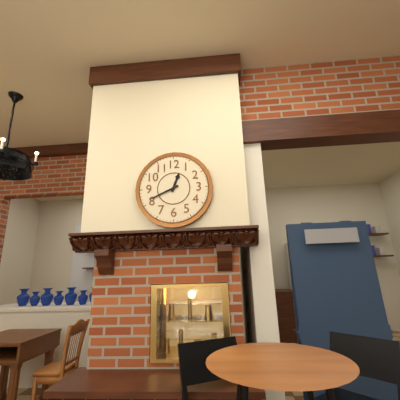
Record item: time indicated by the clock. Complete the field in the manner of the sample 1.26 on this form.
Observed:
12.41
